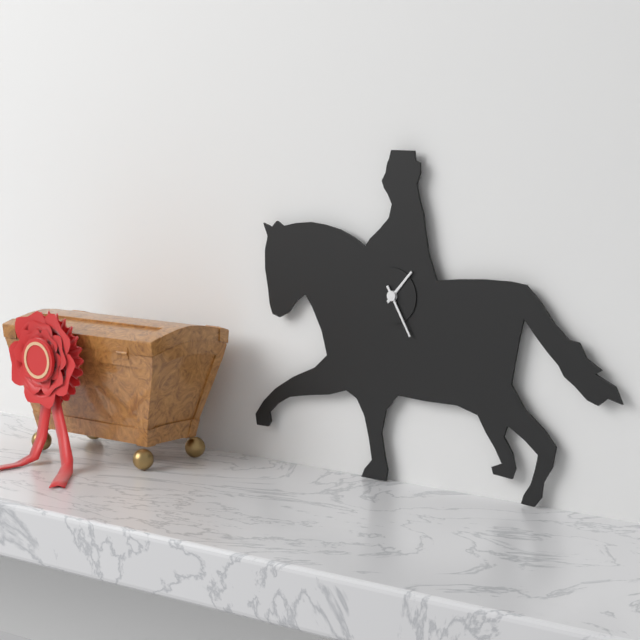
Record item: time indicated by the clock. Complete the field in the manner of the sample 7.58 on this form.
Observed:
1.25
